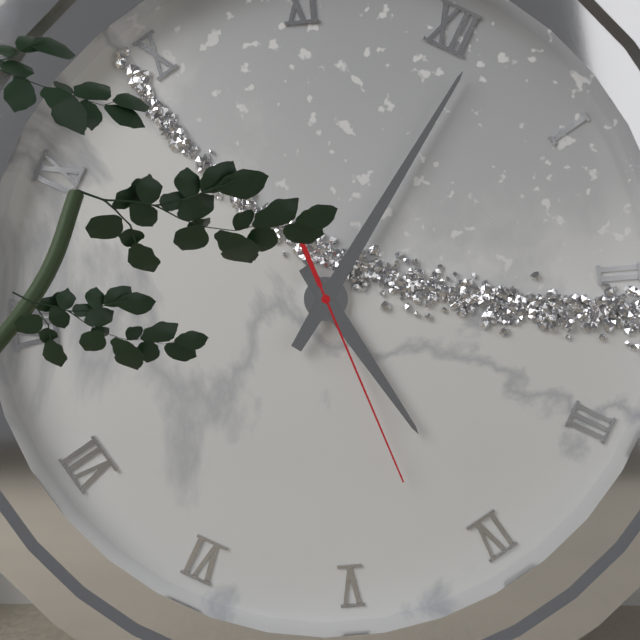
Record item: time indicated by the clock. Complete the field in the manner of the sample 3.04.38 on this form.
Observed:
4.01.22
